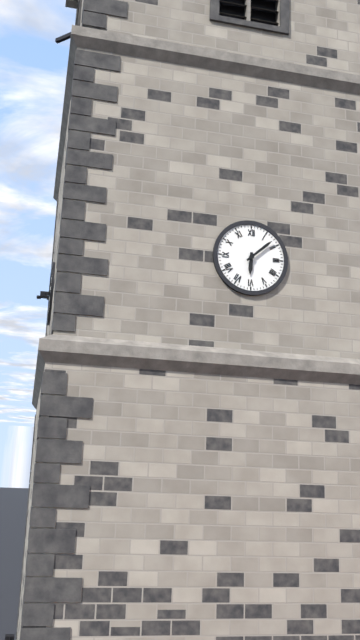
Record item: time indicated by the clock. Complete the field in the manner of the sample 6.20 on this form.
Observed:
6.08
